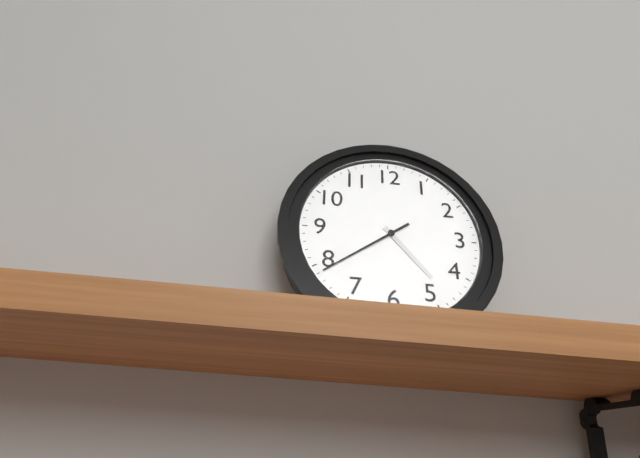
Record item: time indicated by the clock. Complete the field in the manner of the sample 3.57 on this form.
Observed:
4.39
